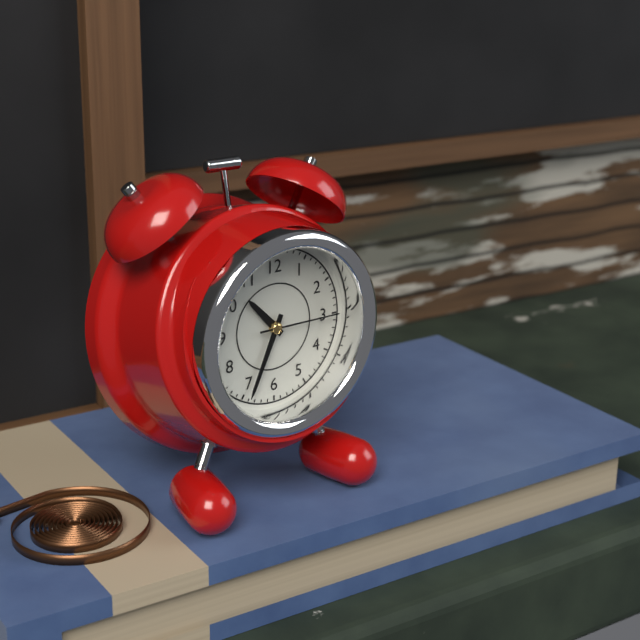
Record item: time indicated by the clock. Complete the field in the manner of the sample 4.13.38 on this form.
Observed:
10.34.15
